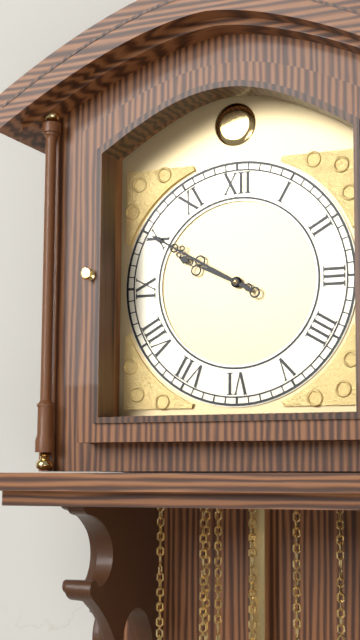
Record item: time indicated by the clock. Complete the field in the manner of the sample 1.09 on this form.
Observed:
9.50
